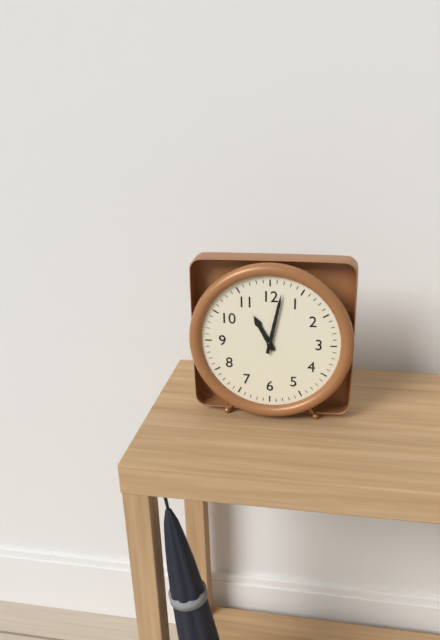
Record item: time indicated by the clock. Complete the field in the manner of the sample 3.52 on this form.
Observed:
11.02
